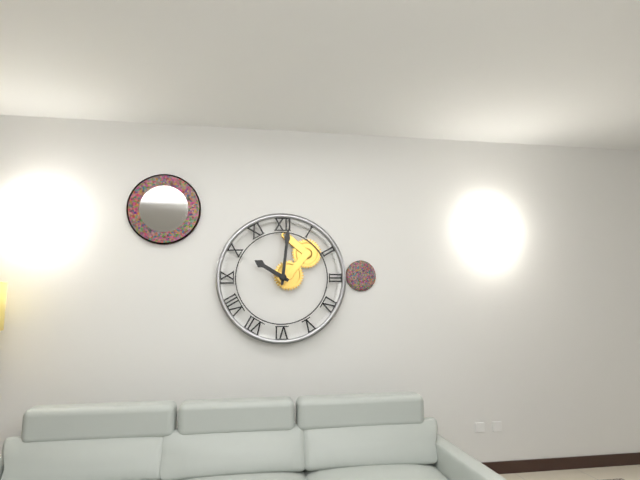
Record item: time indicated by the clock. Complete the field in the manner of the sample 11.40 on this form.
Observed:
10.01
